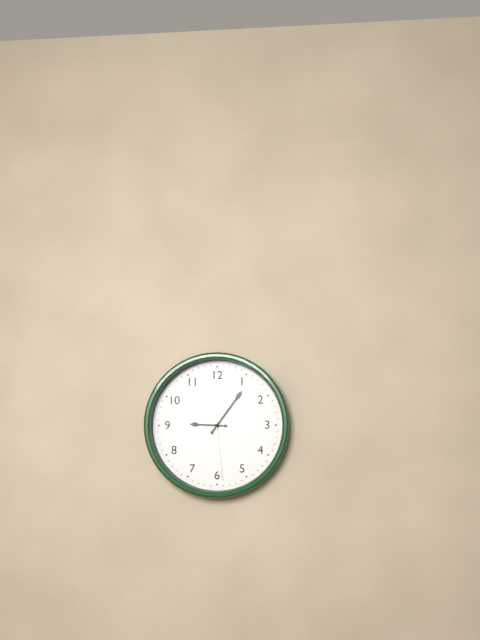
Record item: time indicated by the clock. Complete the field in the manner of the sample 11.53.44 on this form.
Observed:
9.06.29
